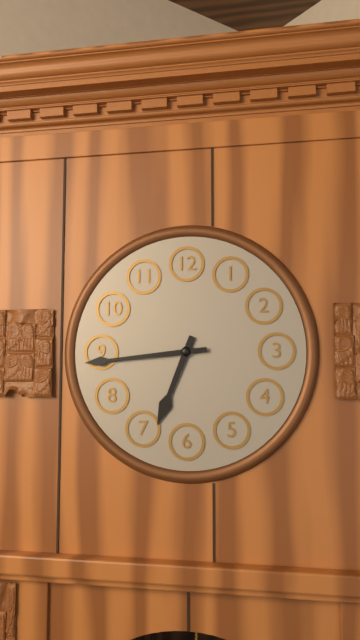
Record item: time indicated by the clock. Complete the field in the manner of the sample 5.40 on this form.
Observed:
6.44
